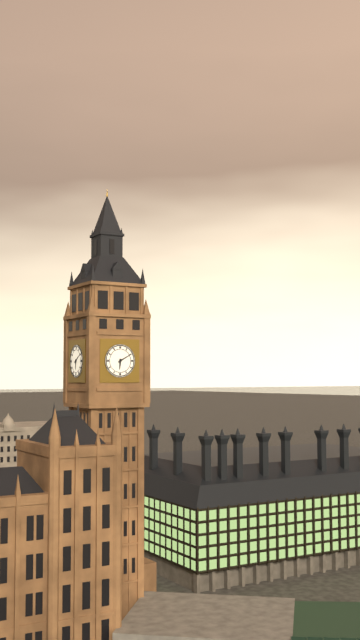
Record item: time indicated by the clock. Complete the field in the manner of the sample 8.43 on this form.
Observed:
6.10
